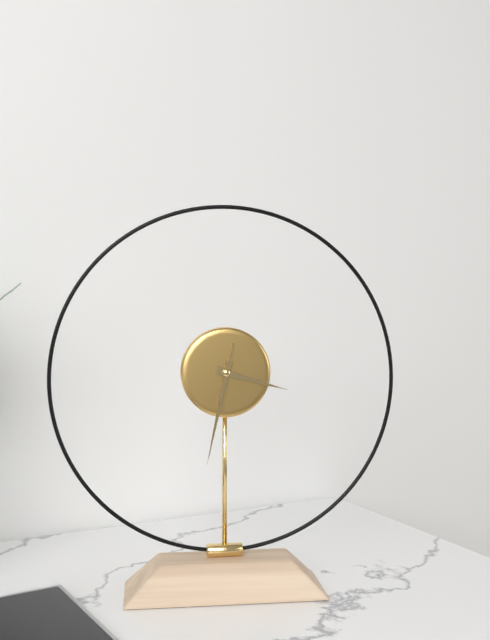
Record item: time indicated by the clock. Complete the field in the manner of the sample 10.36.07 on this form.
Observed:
3.32.32
